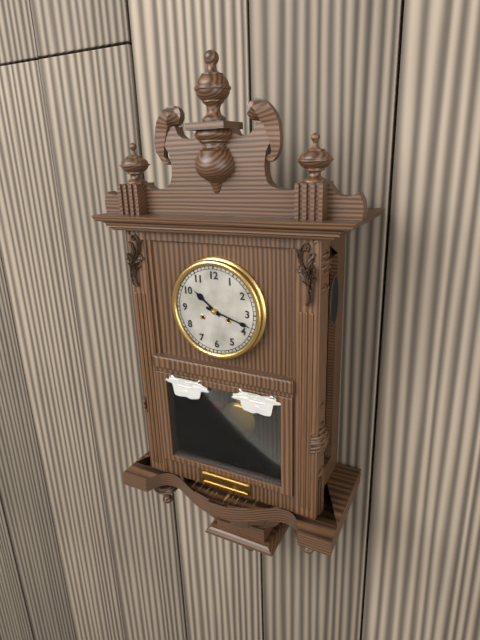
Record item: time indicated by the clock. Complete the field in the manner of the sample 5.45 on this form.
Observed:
10.18
